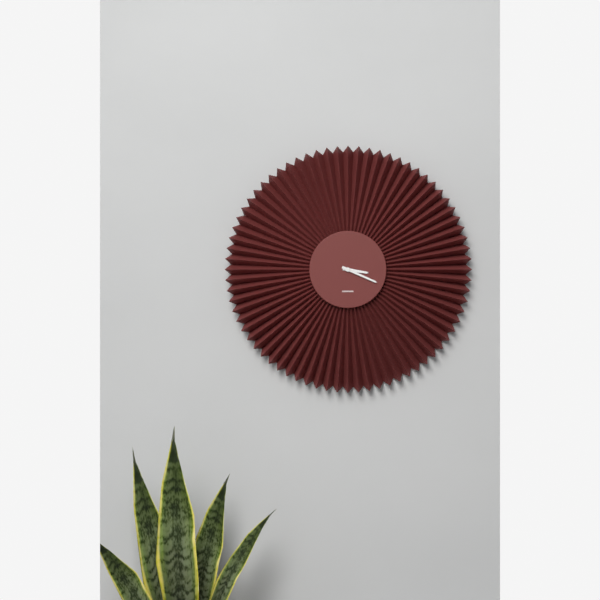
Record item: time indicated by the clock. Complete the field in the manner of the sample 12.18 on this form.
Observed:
3.19
